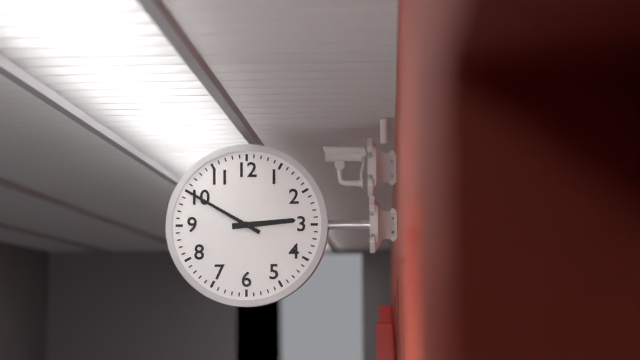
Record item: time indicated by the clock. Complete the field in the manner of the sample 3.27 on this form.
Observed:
2.50
